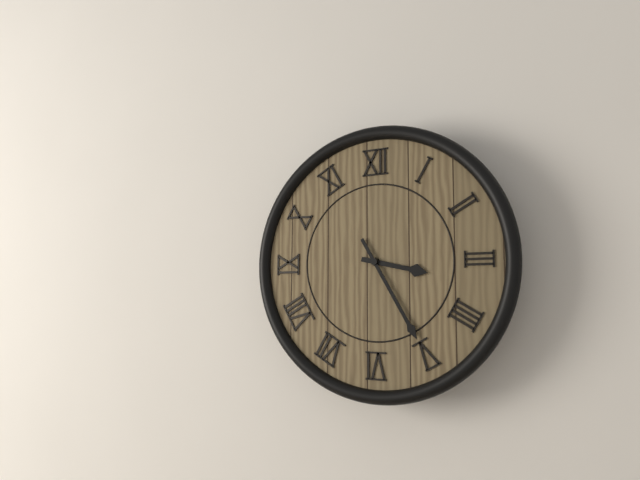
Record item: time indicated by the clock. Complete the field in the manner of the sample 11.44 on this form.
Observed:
3.25
